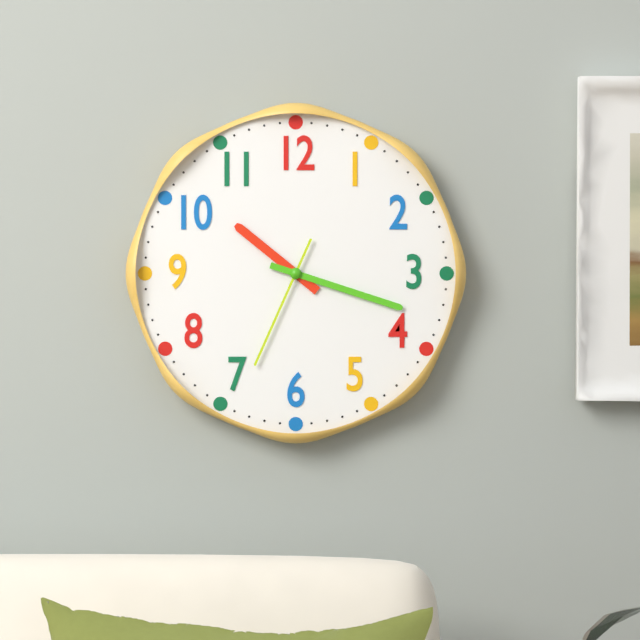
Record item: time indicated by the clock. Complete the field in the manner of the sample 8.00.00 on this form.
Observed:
10.18.34
